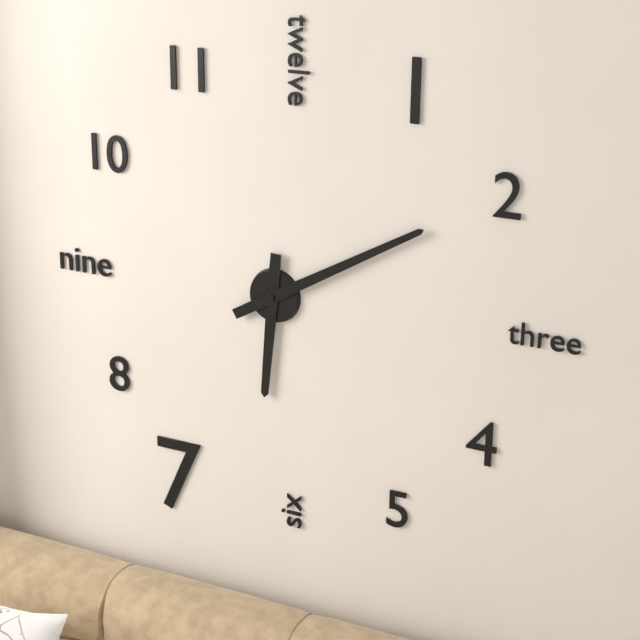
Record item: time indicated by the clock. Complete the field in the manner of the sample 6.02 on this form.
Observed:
6.10
